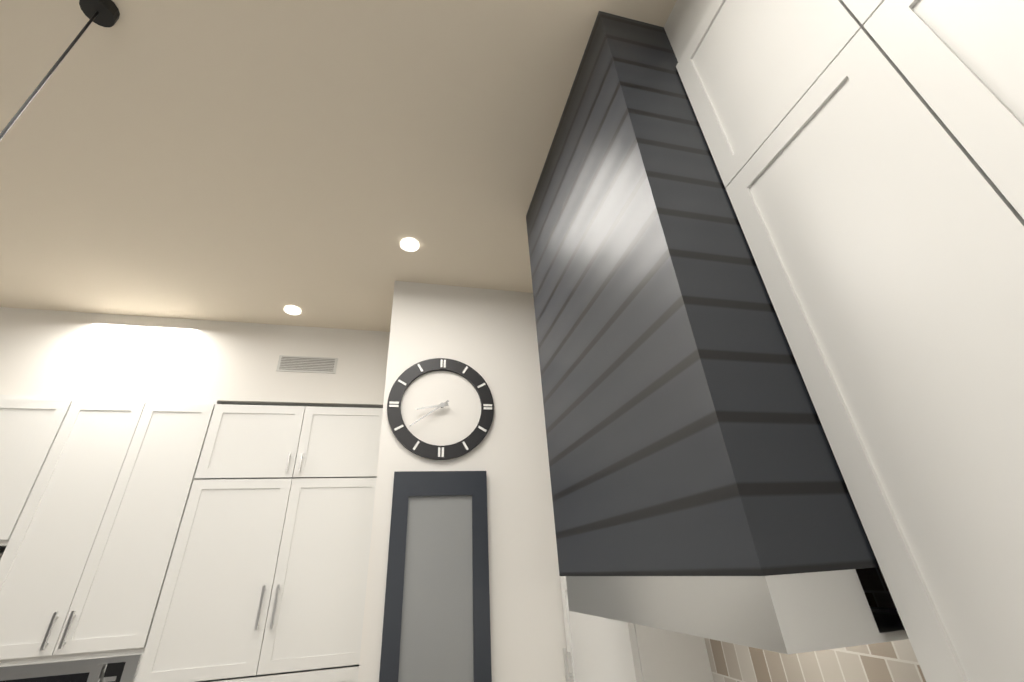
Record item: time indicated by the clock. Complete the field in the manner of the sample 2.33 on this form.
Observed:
8.39
